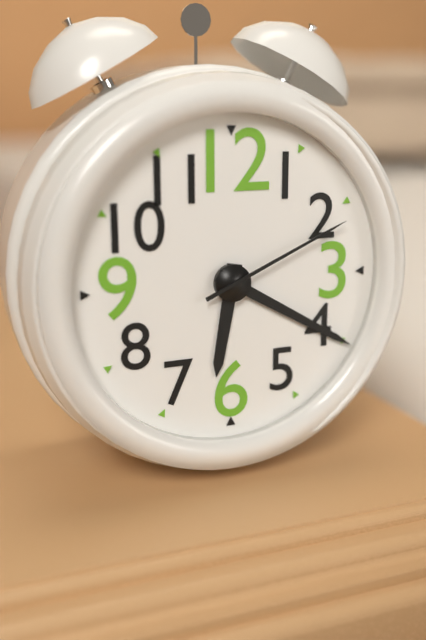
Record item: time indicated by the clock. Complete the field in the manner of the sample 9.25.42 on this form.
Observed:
6.20.11
